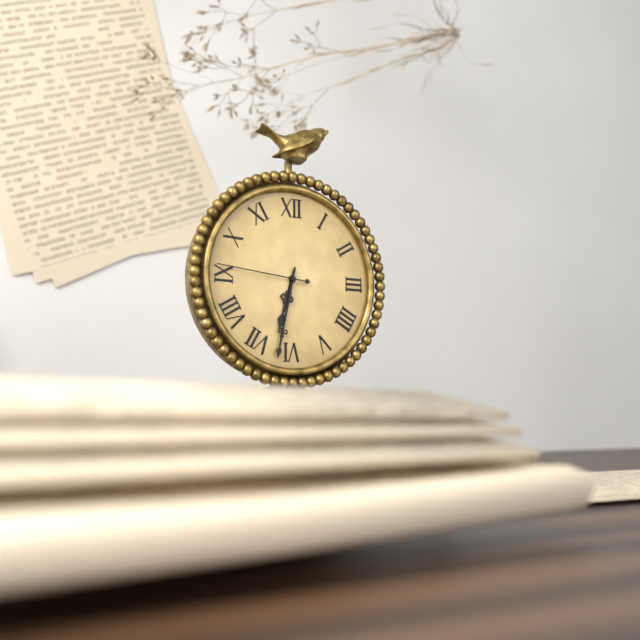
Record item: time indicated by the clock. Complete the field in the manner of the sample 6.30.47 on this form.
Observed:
6.32.46
